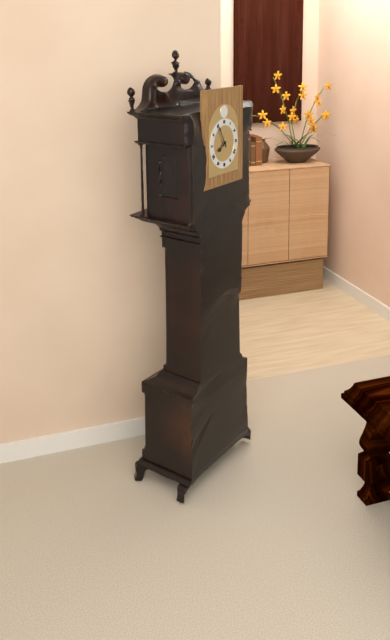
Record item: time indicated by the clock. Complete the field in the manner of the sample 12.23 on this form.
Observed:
7.55
